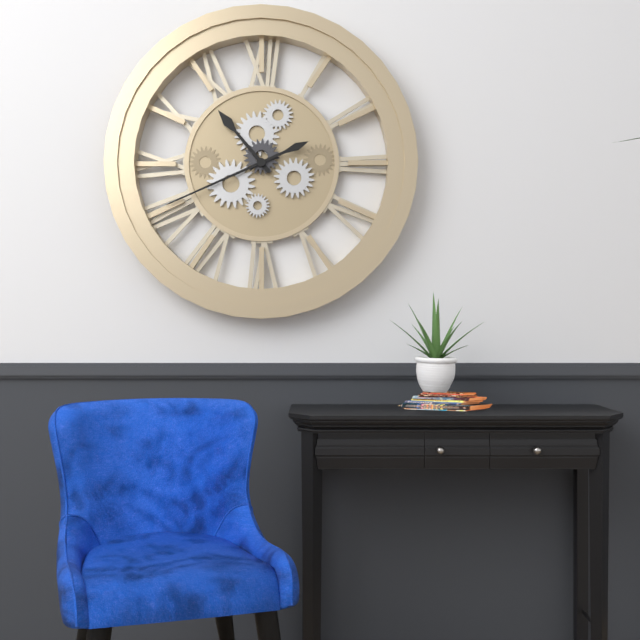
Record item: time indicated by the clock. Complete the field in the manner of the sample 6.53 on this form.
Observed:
10.41
